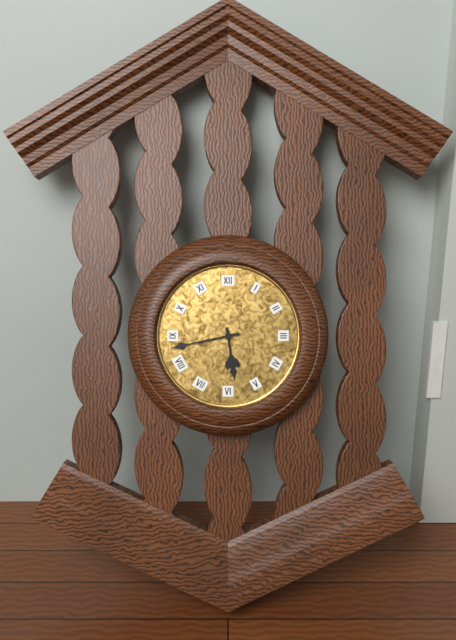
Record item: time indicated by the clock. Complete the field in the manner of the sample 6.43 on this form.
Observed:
5.43
